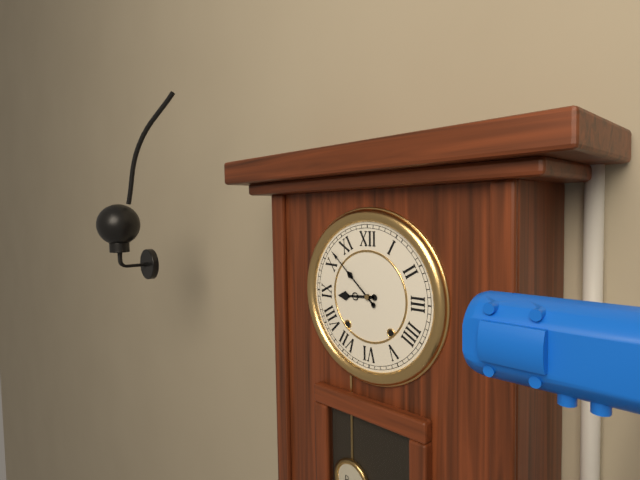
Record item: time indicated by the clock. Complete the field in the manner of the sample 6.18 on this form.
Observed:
8.52
